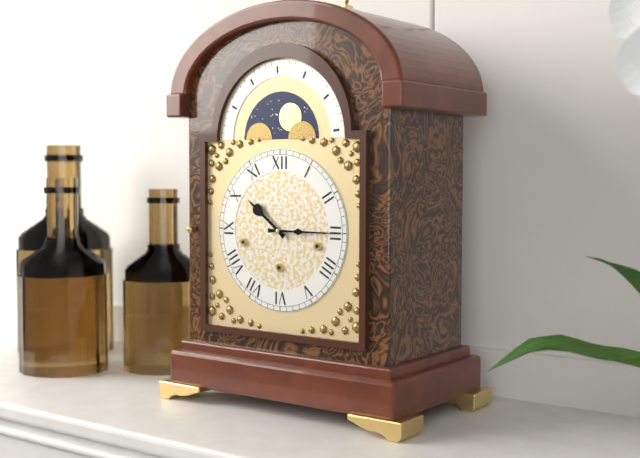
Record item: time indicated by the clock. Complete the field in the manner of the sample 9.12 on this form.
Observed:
10.15
